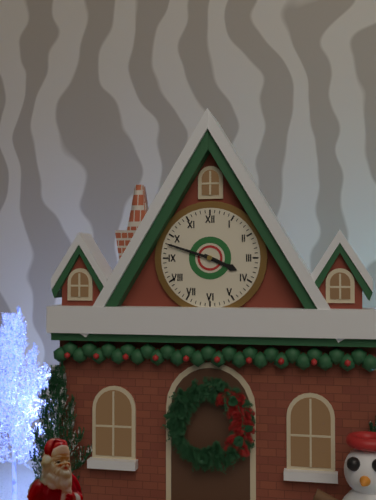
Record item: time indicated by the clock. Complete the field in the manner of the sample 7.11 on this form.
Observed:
3.48
